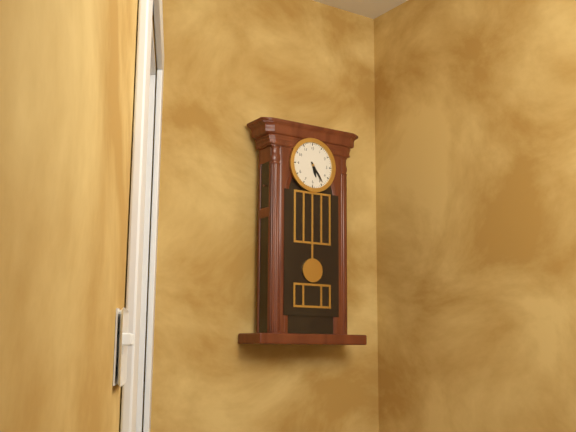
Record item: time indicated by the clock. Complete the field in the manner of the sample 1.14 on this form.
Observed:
5.24
